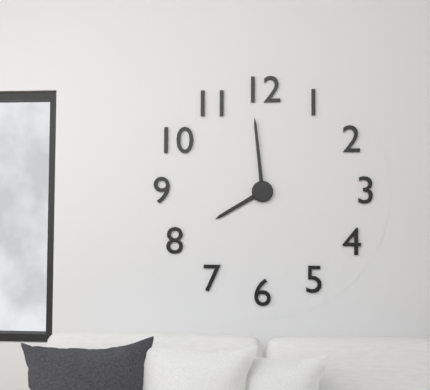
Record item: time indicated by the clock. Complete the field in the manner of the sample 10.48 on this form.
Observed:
7.59
